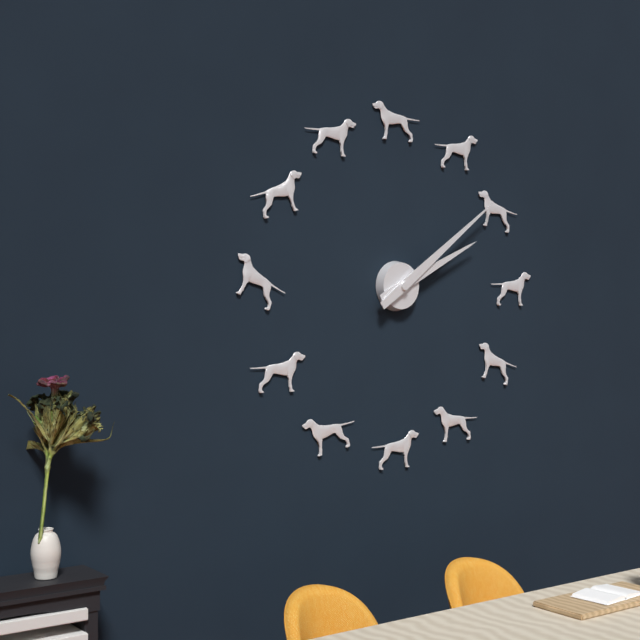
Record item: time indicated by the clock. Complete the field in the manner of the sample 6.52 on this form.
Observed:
2.09
